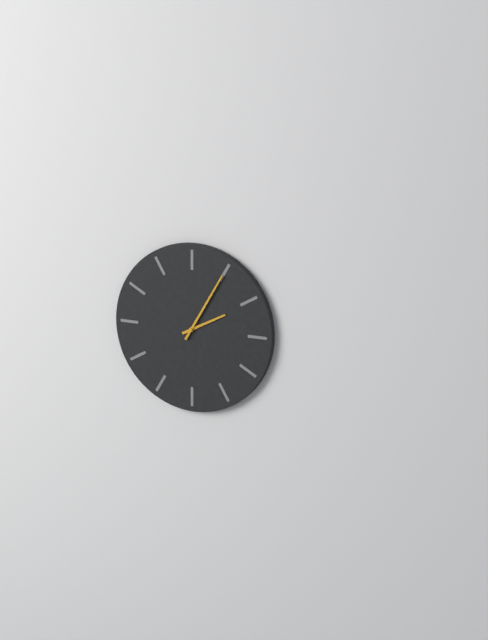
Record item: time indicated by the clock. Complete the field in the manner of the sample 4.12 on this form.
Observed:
2.05
